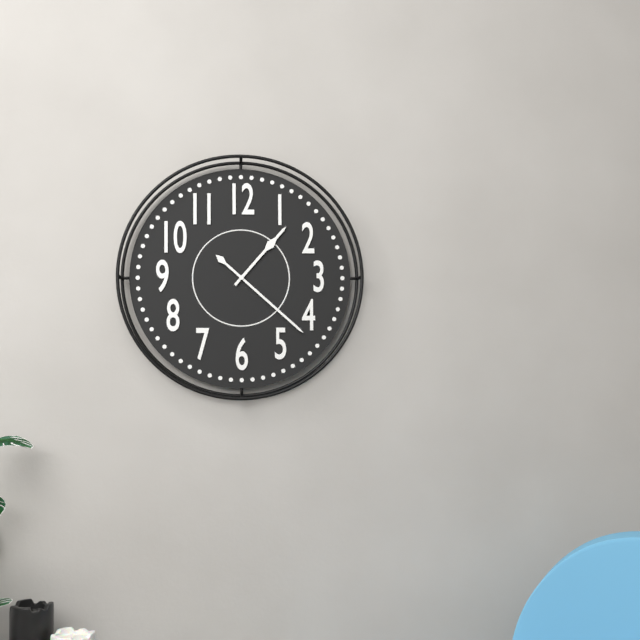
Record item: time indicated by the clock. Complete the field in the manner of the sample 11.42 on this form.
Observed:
1.22
